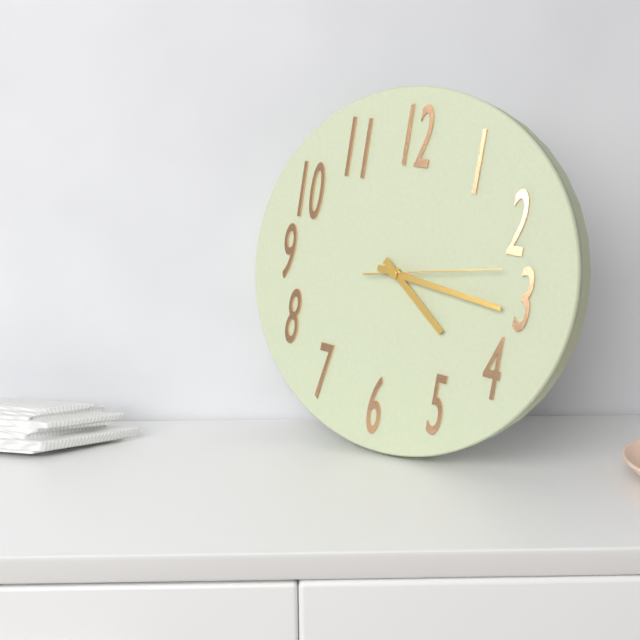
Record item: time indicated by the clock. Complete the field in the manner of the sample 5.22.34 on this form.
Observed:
4.16.13
